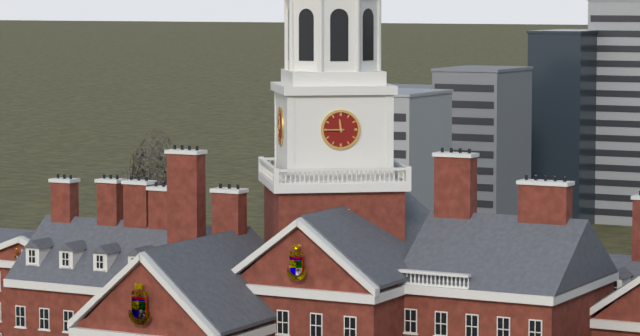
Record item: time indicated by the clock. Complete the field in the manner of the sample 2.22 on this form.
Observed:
11.45
